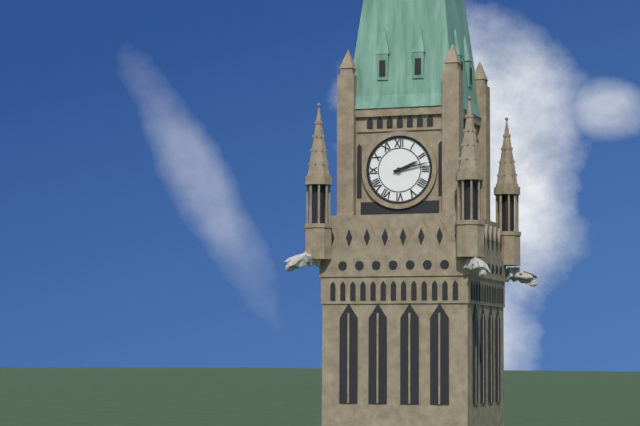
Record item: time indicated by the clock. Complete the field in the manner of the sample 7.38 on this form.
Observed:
2.13
